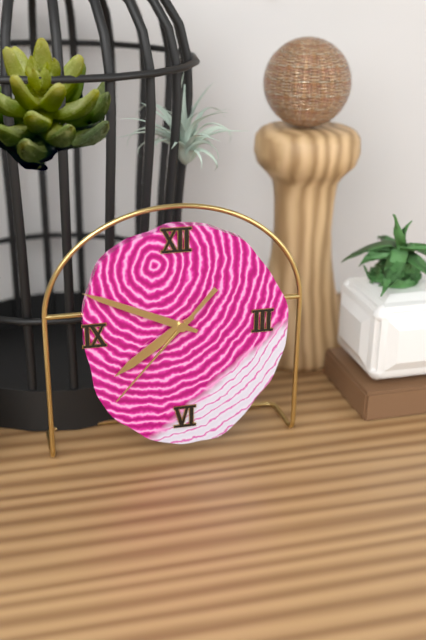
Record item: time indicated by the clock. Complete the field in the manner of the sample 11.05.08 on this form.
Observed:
7.49.37
